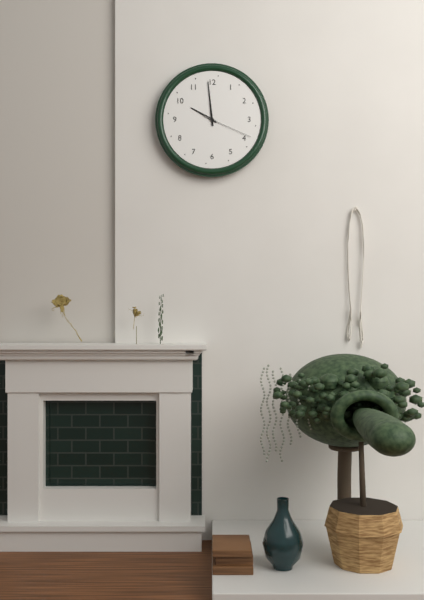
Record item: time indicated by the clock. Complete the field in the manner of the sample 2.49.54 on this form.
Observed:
9.59.19
